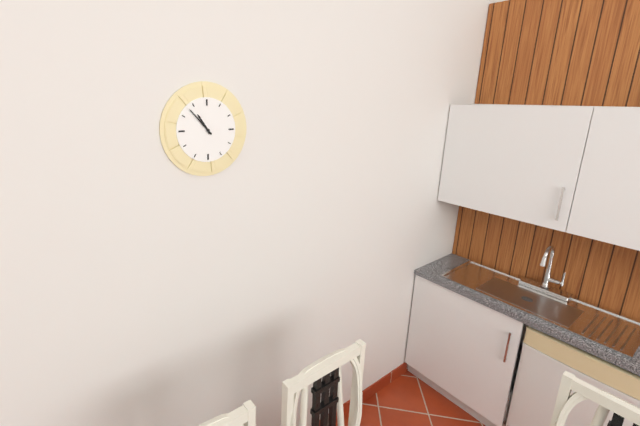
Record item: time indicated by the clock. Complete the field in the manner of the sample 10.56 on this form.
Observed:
10.53
